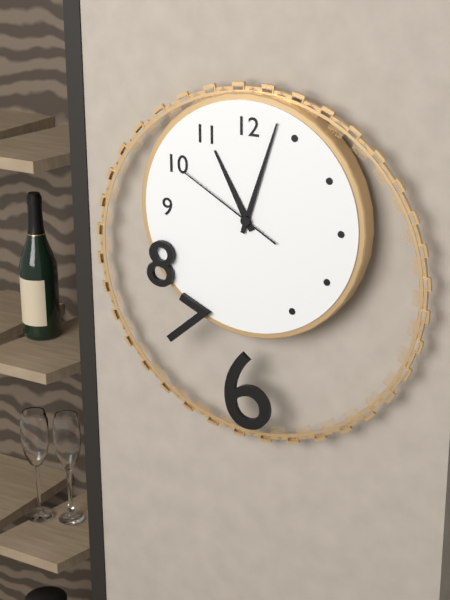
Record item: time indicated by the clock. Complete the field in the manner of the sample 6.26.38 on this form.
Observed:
11.03.50
